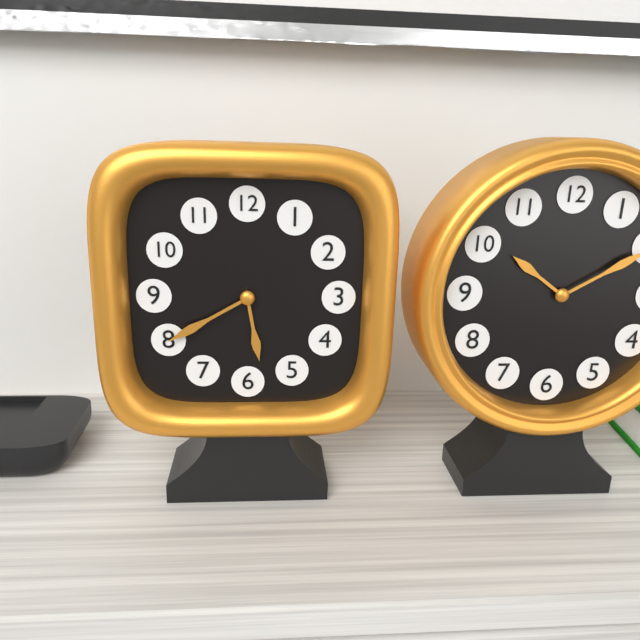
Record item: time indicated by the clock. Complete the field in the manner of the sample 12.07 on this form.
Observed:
5.40
